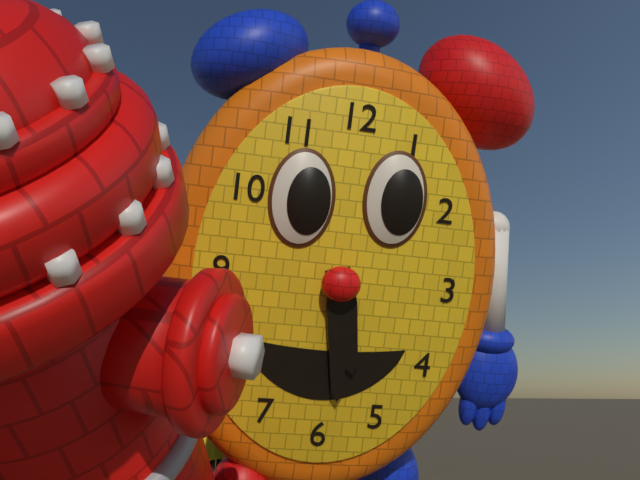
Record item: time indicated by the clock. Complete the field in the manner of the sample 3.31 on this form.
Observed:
5.29
